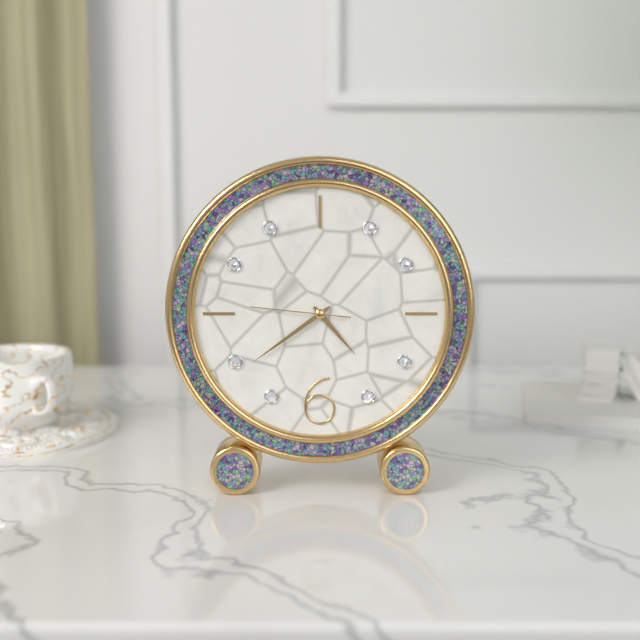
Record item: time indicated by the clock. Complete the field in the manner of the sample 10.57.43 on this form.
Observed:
4.39.46
